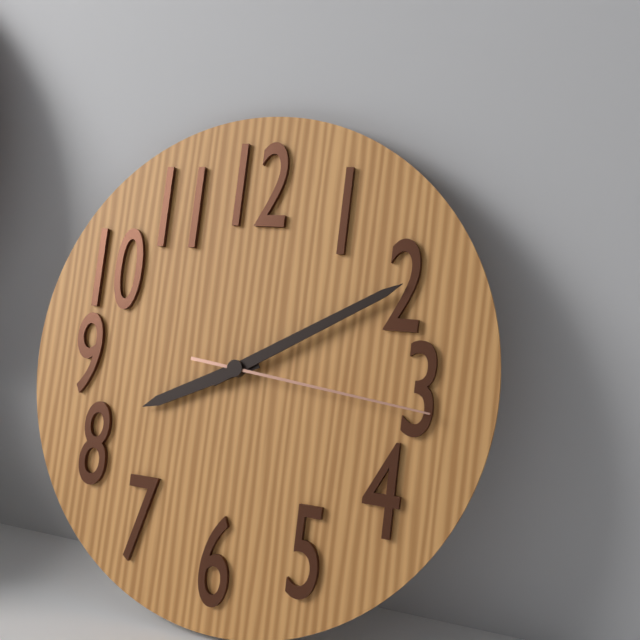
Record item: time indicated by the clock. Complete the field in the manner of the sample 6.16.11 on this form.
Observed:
8.10.16
